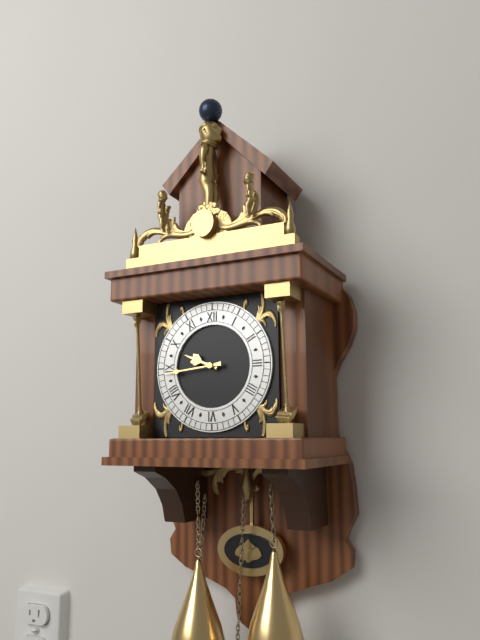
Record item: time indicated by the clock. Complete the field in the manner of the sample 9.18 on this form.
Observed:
9.44
